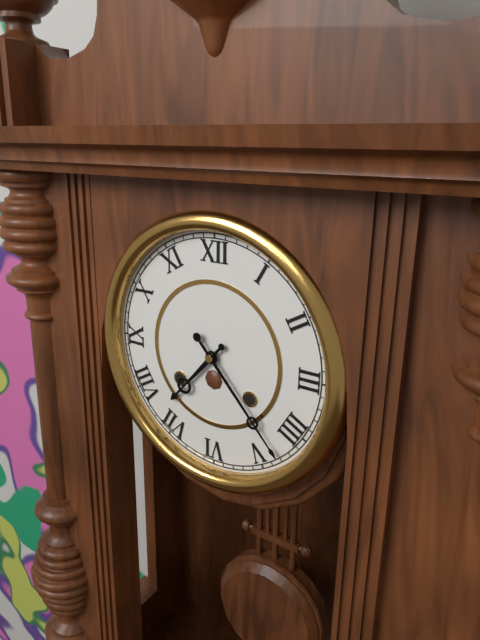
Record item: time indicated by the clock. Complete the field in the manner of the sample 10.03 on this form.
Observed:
7.23
